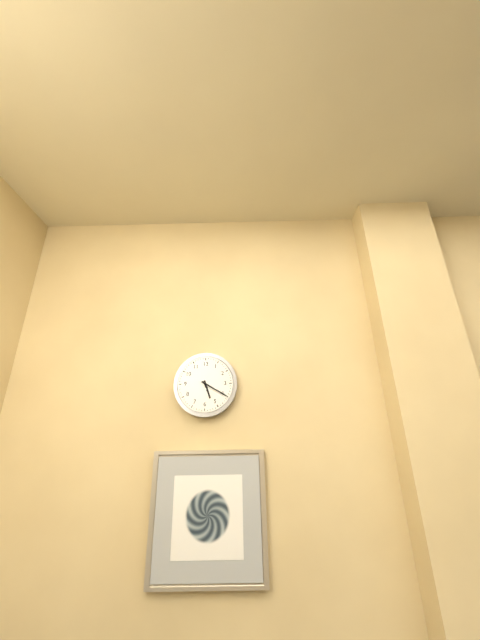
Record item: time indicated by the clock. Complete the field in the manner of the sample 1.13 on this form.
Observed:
5.20
